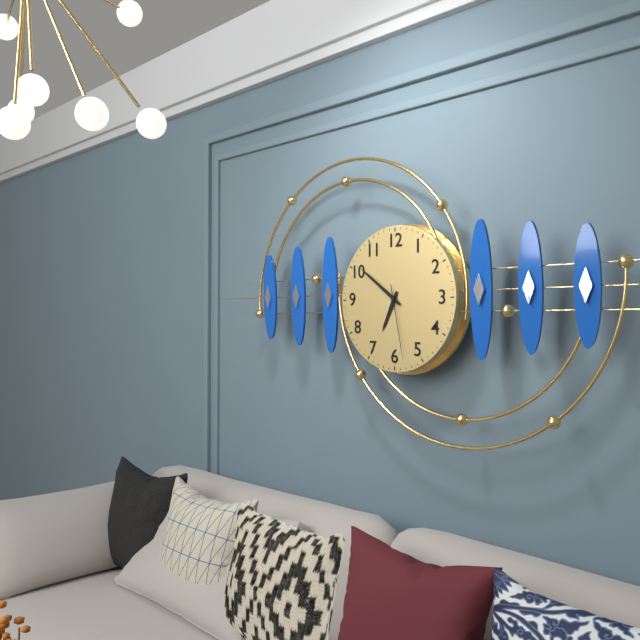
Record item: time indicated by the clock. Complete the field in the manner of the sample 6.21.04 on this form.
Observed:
6.51.28
